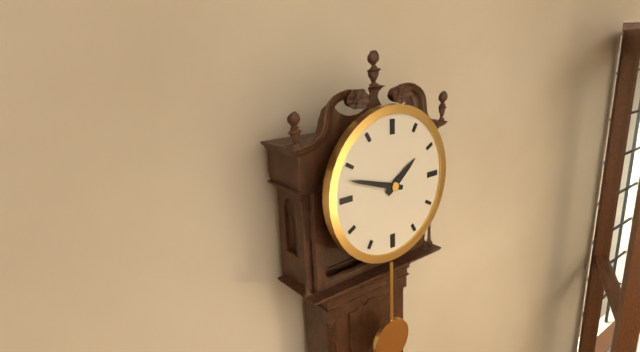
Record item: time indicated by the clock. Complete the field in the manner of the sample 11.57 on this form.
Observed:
1.48
